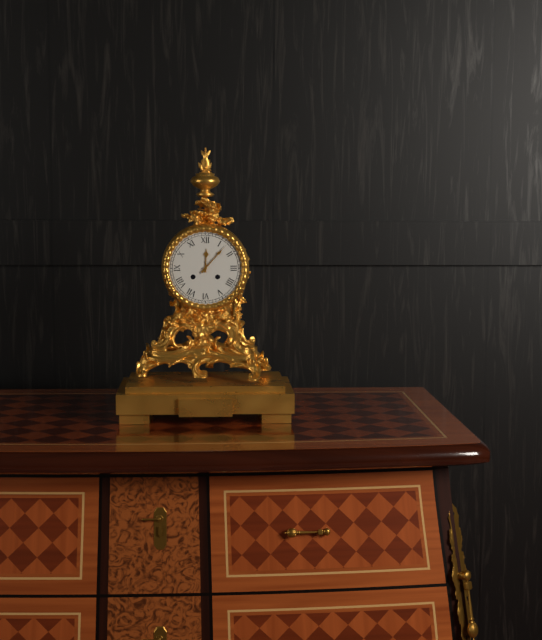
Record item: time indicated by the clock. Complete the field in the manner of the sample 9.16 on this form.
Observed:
12.07
